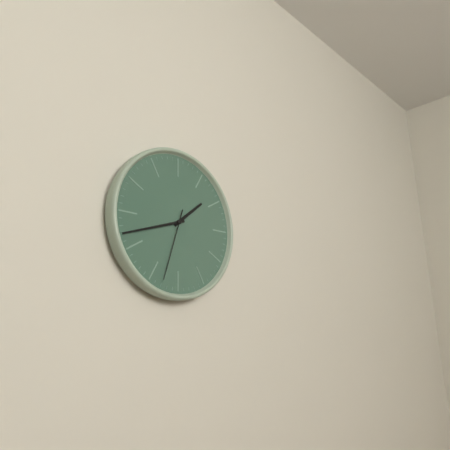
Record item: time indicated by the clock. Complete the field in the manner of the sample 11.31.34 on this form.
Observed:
1.42.33
